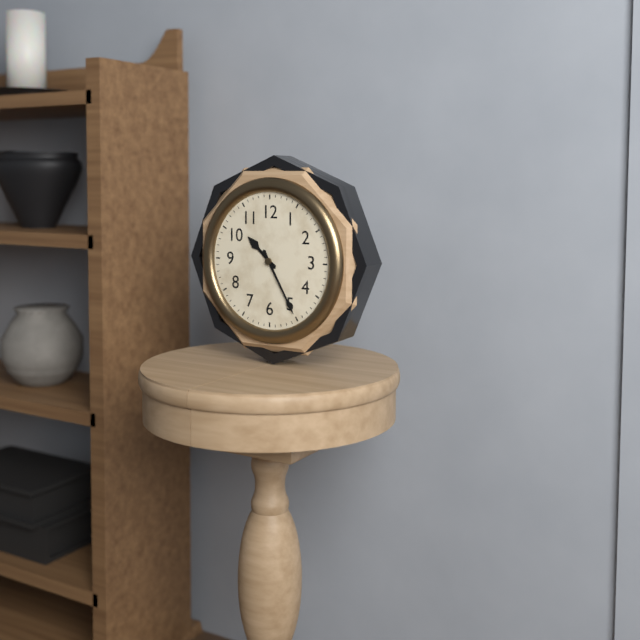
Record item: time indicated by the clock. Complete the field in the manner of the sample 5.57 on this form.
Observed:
10.25
